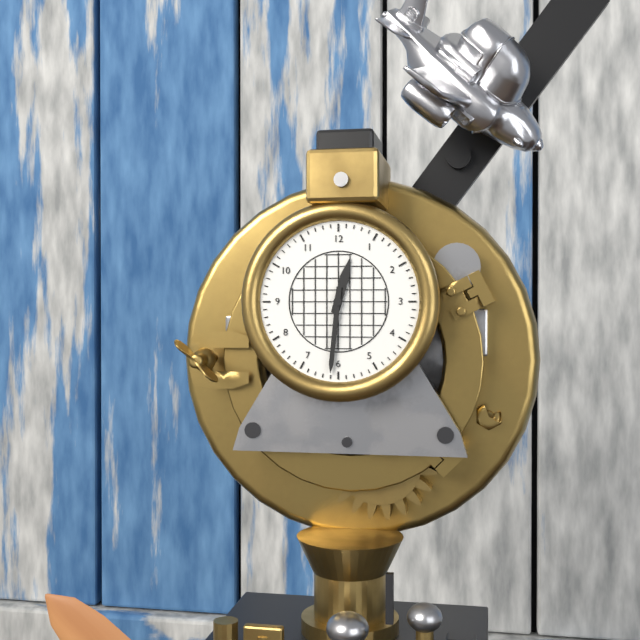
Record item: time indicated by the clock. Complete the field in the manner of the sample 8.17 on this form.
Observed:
12.31
